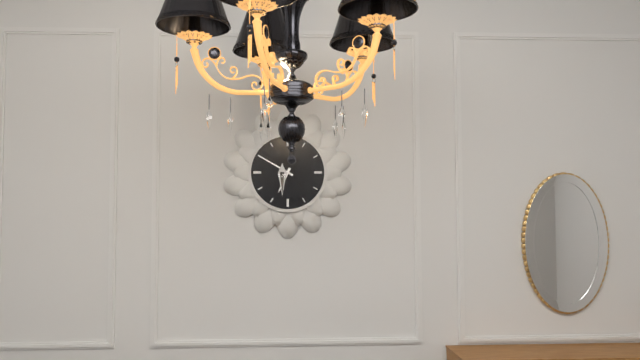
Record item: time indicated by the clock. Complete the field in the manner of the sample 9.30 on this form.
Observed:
6.50
